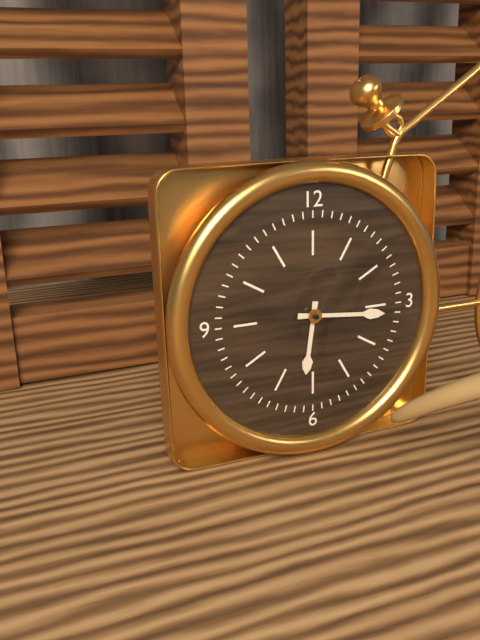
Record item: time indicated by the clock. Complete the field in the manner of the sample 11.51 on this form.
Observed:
6.16
